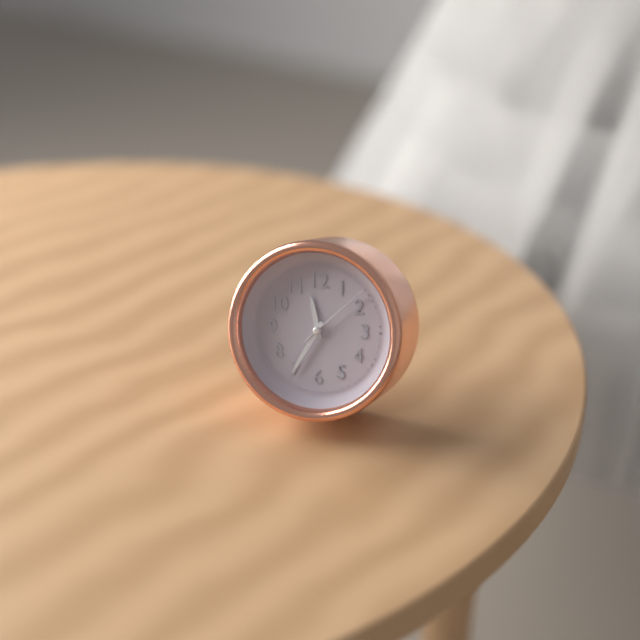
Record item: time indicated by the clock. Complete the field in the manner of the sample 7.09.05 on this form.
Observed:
11.35.08
